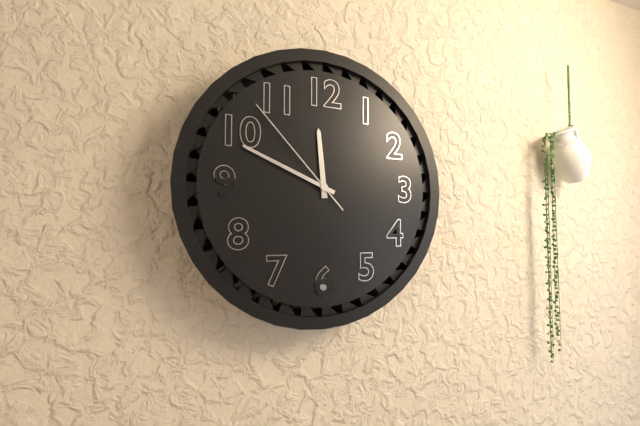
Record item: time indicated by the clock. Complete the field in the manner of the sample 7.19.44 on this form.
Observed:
11.49.53
